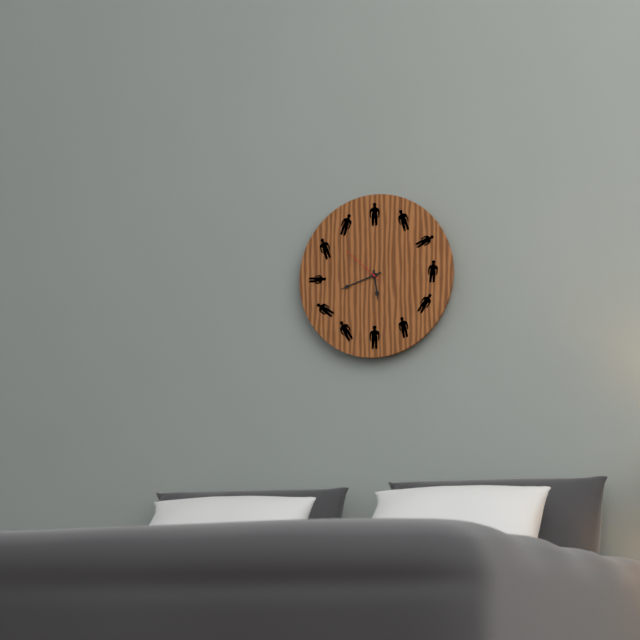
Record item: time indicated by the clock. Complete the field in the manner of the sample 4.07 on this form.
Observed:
5.42
